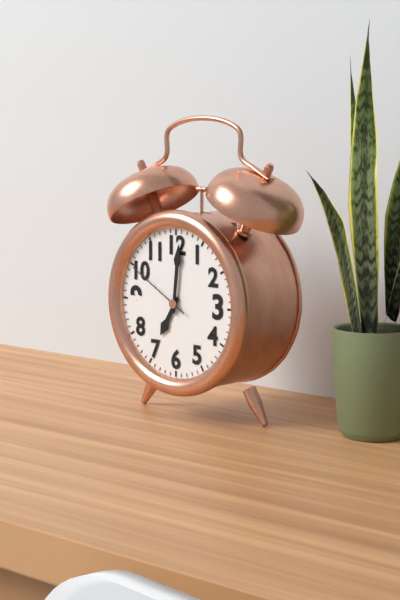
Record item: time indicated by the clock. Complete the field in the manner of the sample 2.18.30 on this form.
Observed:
7.01.50
